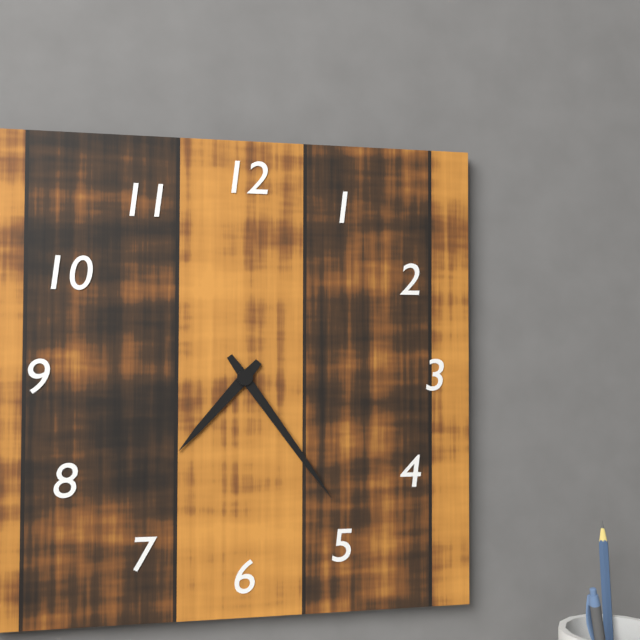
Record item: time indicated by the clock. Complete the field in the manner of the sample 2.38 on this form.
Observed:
7.24
